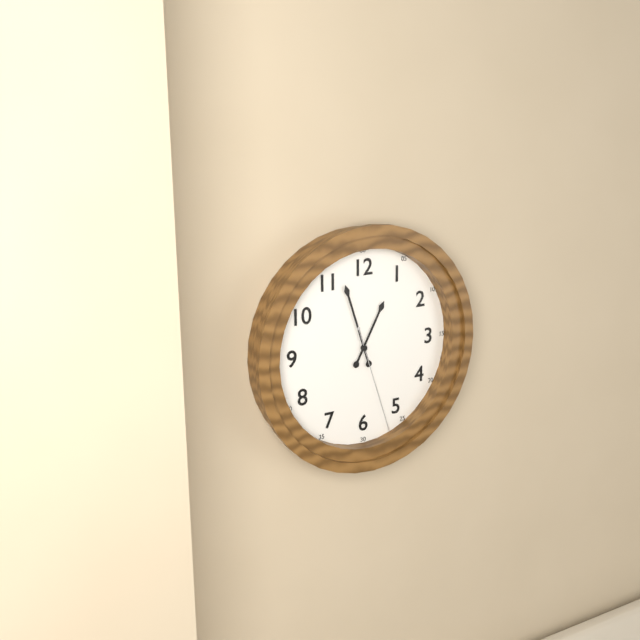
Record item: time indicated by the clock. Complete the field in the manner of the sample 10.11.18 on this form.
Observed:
12.57.27
